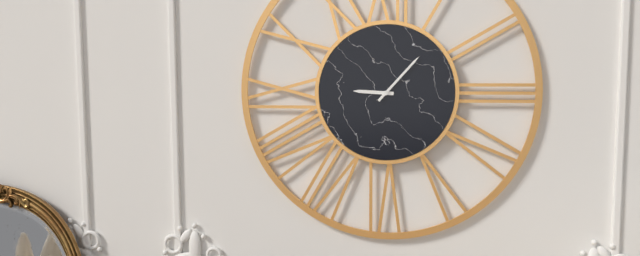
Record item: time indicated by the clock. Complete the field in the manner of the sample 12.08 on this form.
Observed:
9.07
